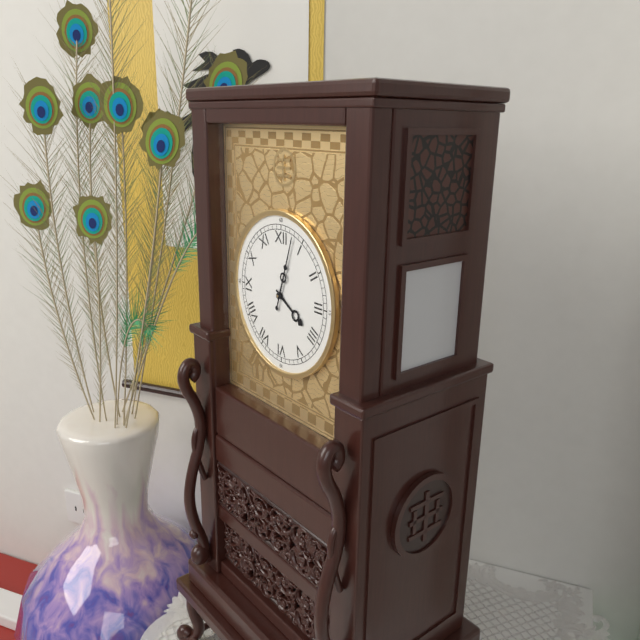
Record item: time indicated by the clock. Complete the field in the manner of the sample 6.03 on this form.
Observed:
4.03
